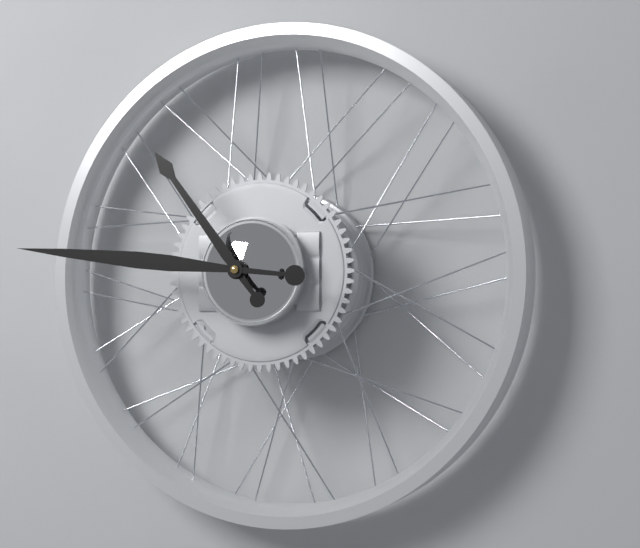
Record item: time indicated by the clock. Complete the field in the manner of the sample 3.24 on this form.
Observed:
10.46
